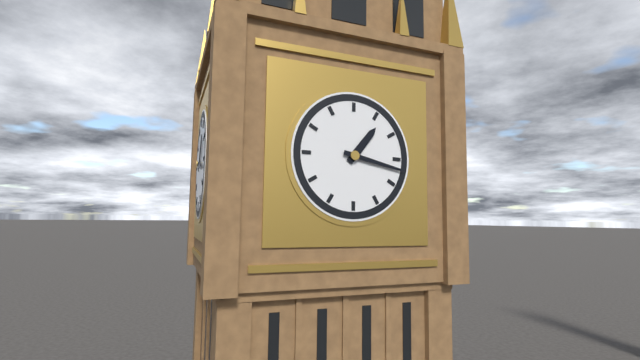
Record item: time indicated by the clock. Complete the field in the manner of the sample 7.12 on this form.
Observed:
1.17
